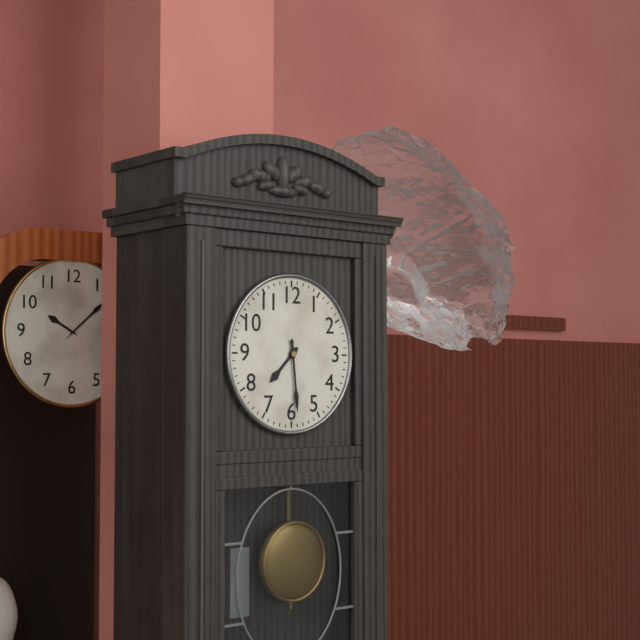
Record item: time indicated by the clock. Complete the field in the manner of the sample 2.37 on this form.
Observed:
7.29
